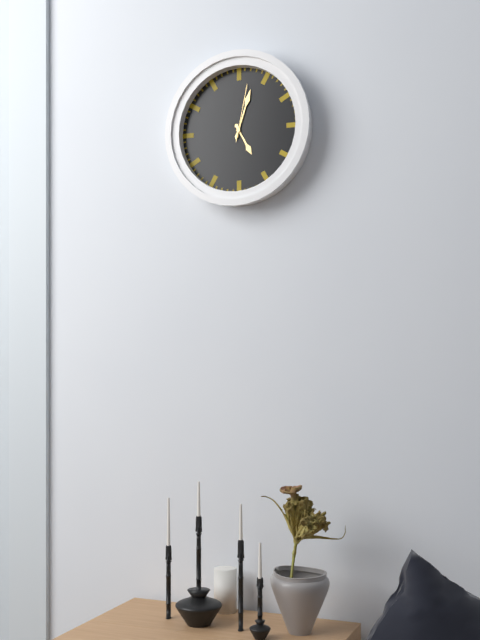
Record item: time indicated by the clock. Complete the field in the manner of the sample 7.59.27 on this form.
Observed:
5.03.02
